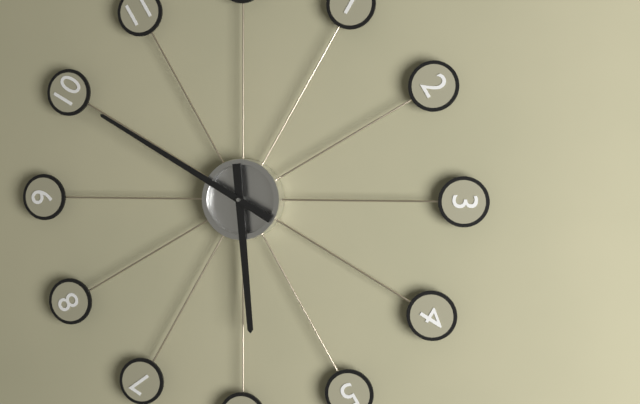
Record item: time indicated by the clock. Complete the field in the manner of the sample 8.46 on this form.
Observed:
5.50
